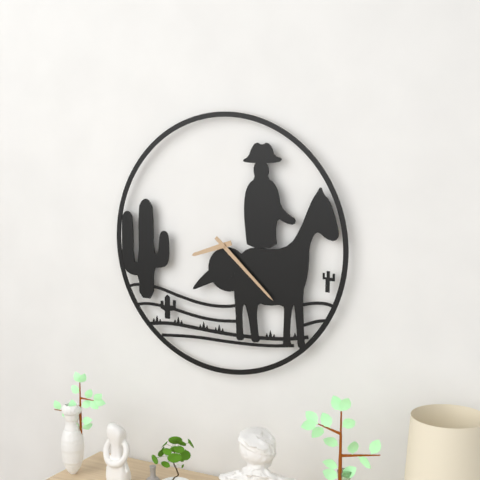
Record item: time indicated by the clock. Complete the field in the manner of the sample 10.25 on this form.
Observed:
8.22
